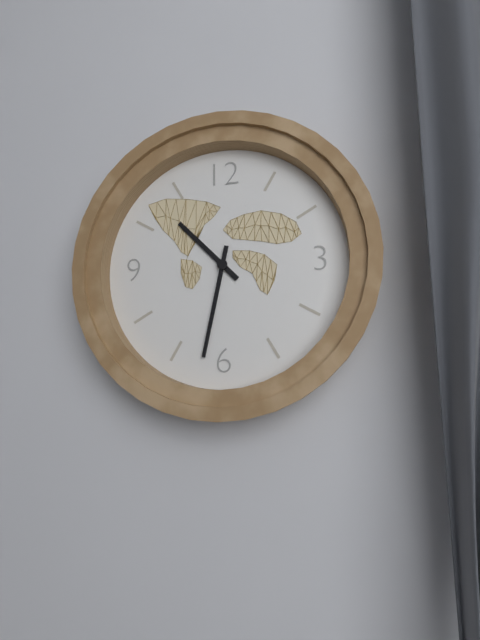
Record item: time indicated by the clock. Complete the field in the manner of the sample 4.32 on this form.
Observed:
10.32
